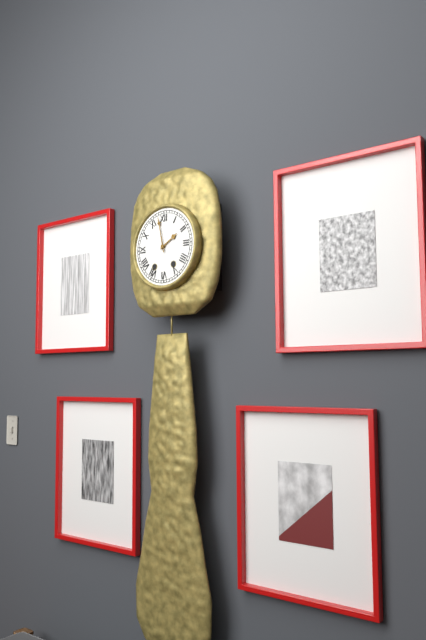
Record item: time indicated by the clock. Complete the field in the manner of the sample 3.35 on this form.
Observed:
1.58
